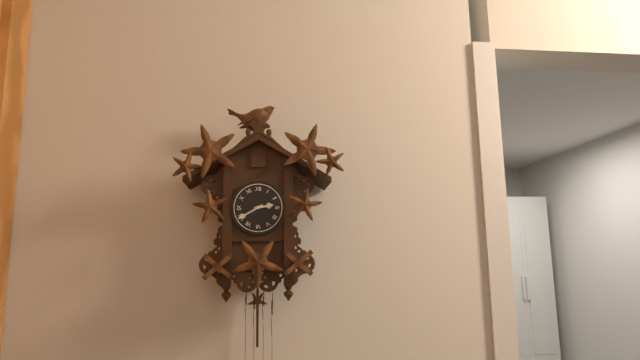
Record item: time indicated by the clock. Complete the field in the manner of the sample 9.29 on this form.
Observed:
2.40
